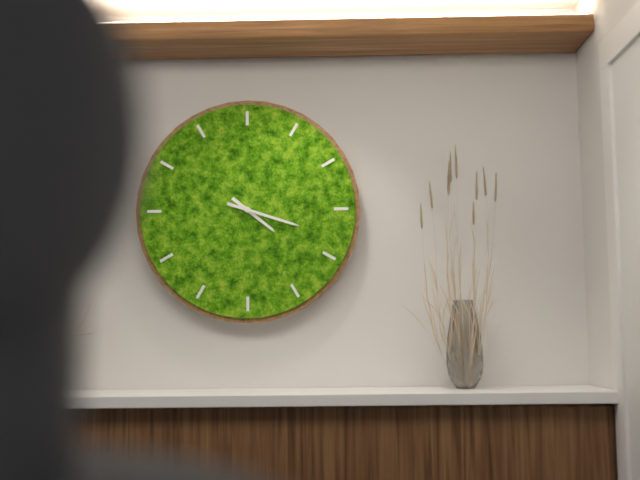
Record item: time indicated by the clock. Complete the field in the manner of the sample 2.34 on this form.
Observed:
4.18
